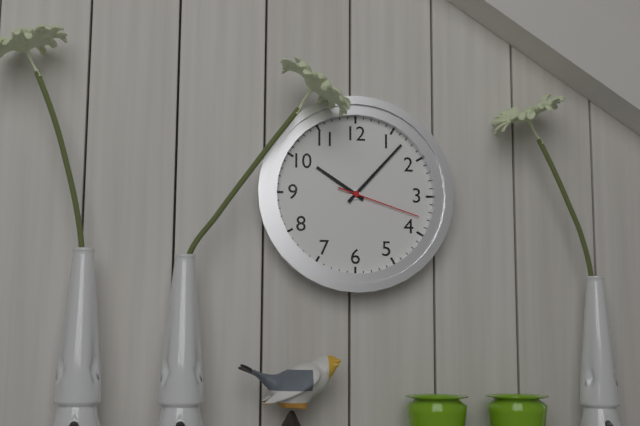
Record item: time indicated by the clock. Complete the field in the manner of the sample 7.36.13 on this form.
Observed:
10.07.18
